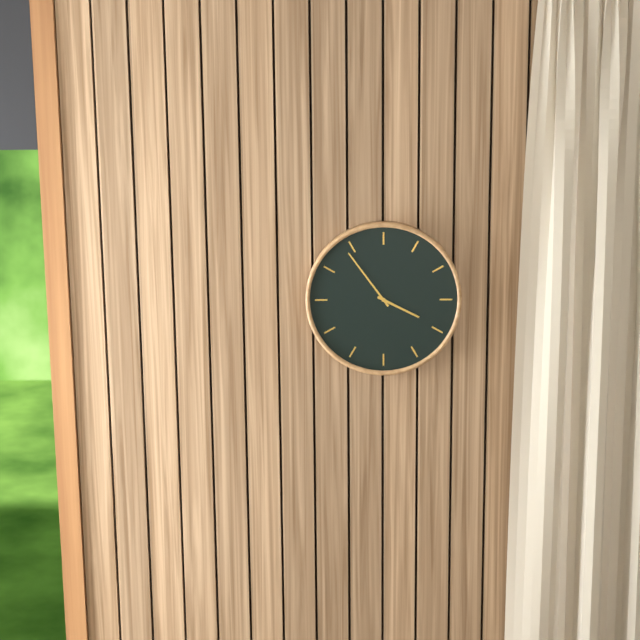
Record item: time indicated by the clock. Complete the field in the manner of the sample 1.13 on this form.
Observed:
3.54
